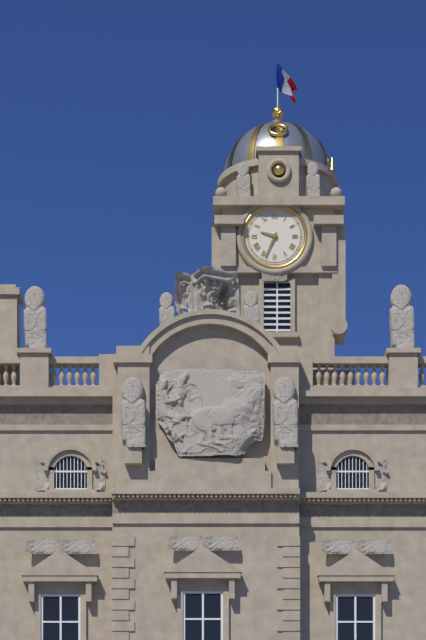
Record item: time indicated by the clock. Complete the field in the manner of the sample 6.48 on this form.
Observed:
9.34
